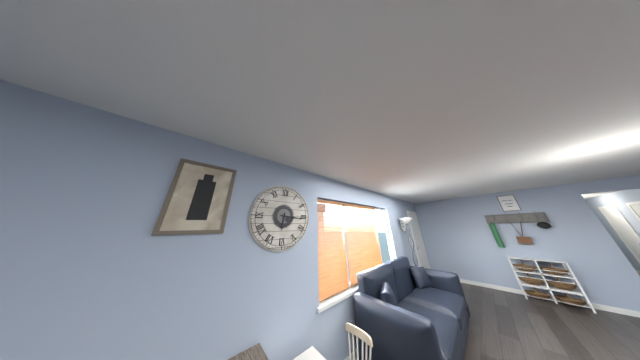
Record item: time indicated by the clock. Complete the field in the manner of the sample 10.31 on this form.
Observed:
6.16
